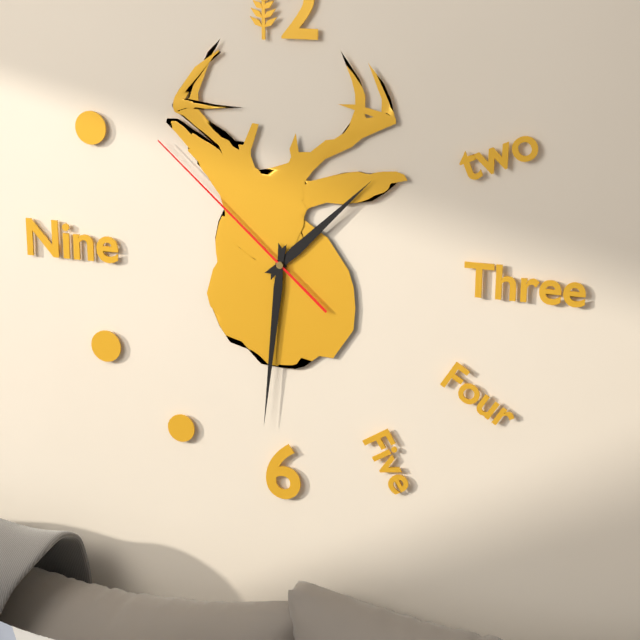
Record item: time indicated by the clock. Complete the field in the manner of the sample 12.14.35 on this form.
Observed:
1.31.52
